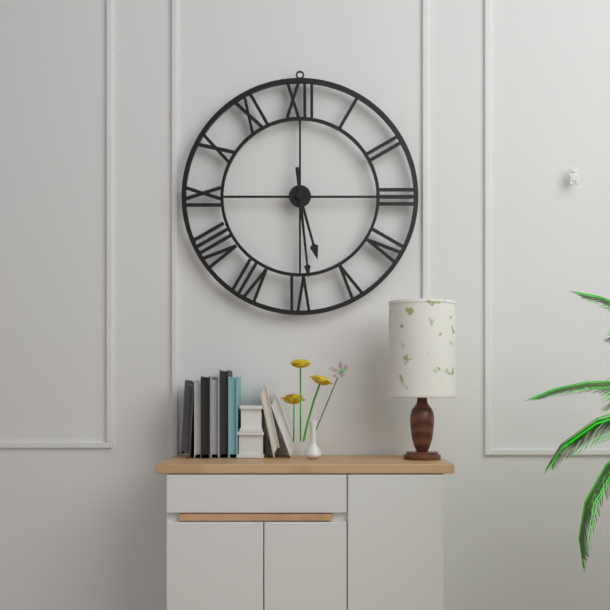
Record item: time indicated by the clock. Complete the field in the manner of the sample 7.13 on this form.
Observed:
5.29
